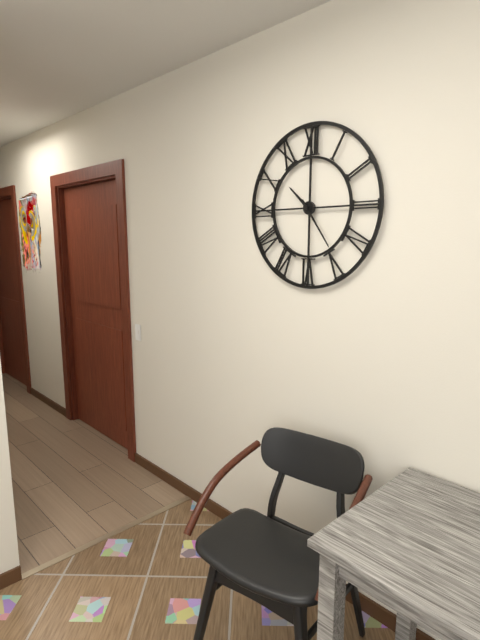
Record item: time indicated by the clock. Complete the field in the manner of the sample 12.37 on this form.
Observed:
10.24
